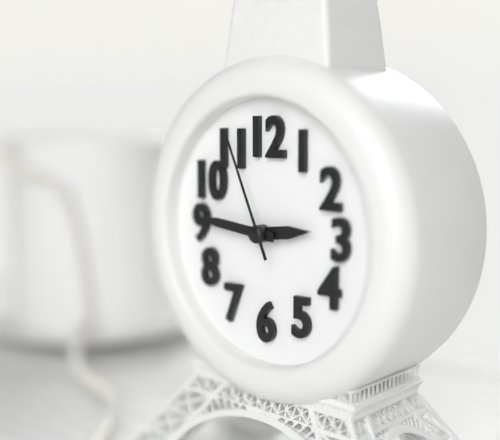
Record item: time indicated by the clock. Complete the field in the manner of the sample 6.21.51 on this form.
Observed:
2.46.56
